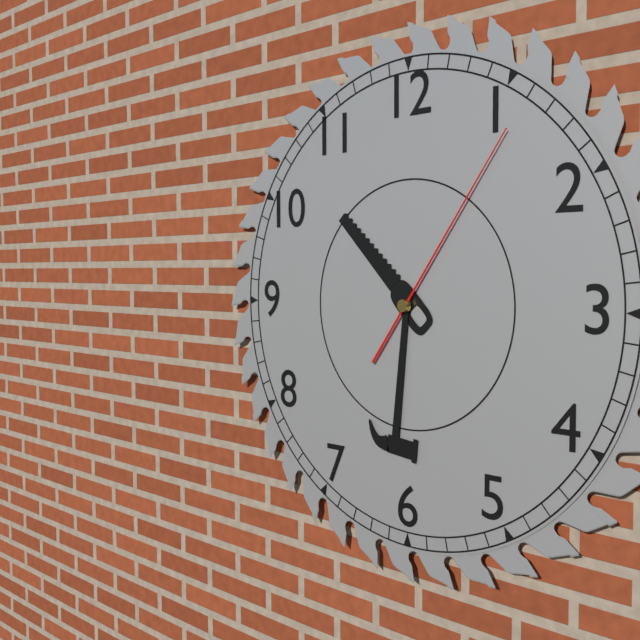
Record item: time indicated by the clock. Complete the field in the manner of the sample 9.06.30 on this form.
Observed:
10.31.06
